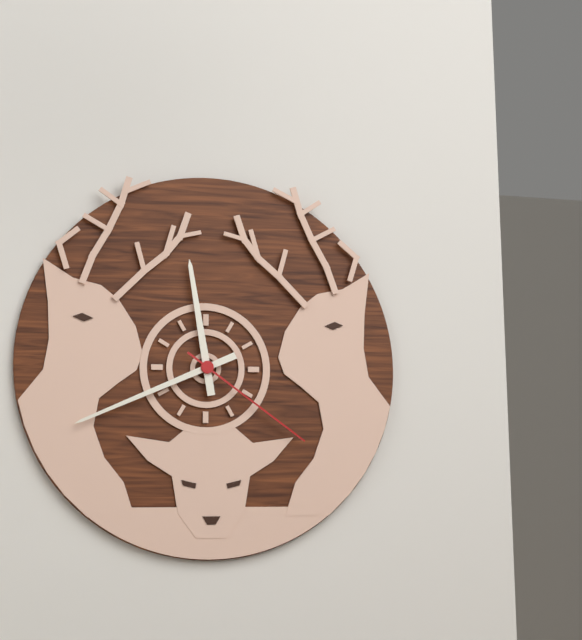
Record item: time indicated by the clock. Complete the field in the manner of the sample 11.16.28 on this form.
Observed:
11.41.21
